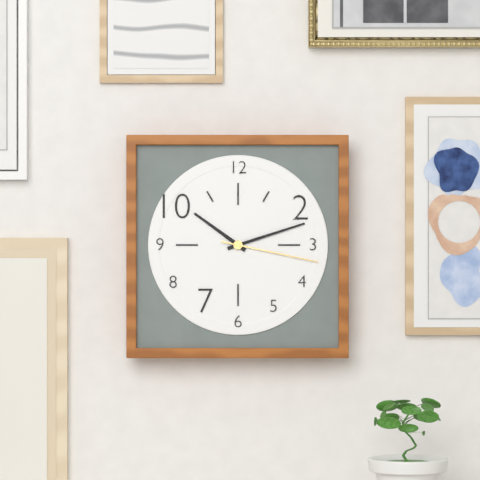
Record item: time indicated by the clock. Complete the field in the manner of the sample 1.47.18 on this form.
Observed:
10.12.17
